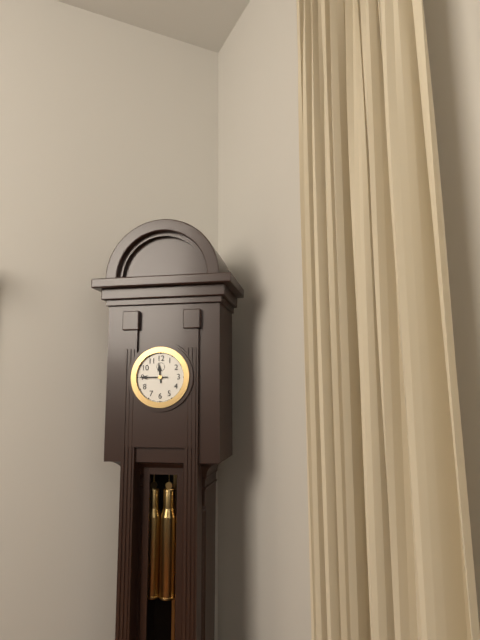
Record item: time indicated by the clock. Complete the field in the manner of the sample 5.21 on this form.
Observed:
11.45
